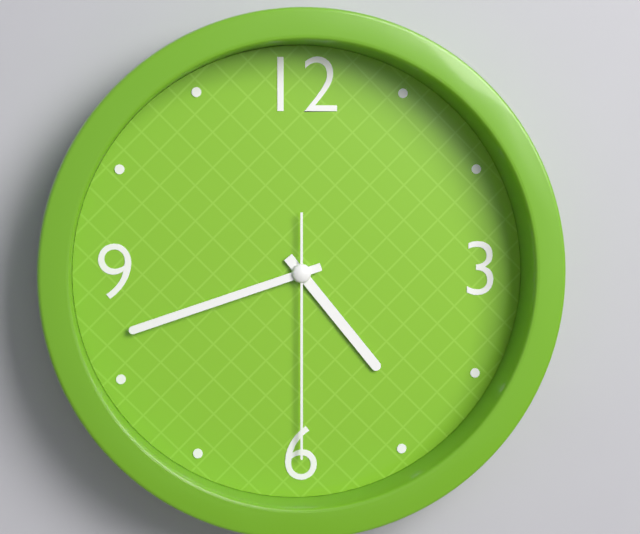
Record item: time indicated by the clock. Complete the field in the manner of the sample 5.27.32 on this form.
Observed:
4.42.30
